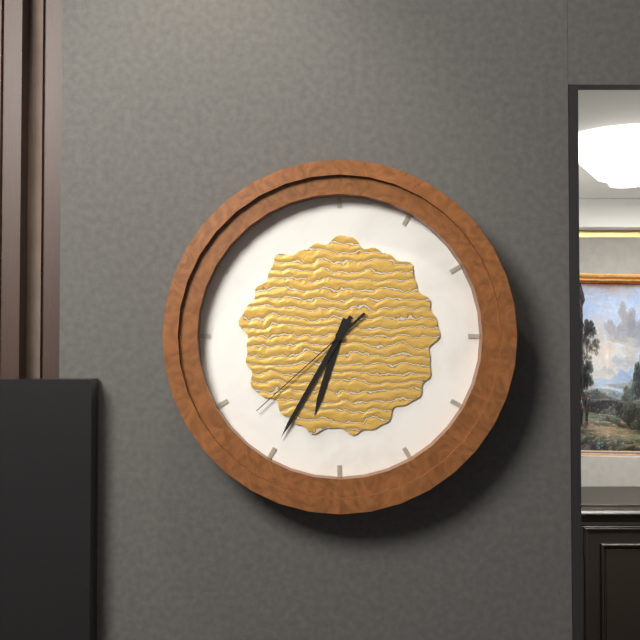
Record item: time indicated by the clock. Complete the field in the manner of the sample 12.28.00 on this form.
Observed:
6.35.38
